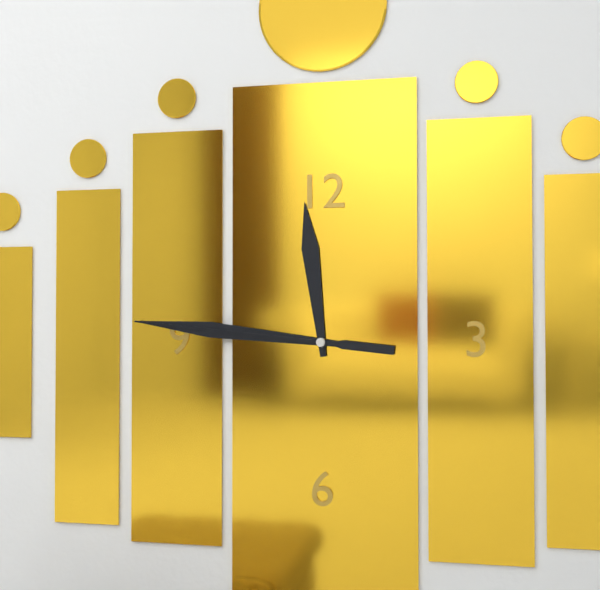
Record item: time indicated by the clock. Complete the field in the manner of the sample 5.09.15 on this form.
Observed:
11.46.46
